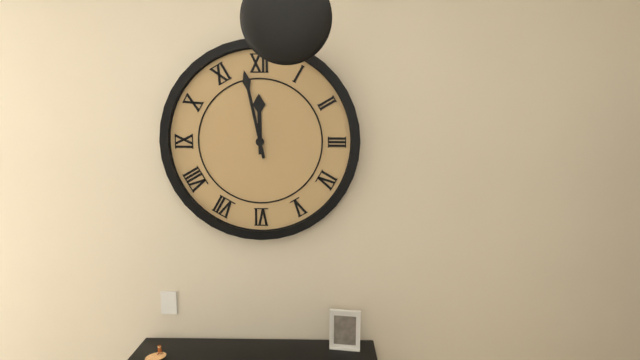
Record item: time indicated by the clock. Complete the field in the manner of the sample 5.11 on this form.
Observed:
11.58
